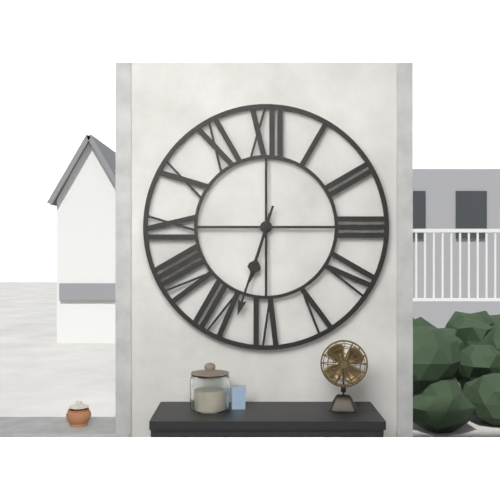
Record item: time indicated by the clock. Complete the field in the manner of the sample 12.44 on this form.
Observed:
6.33
